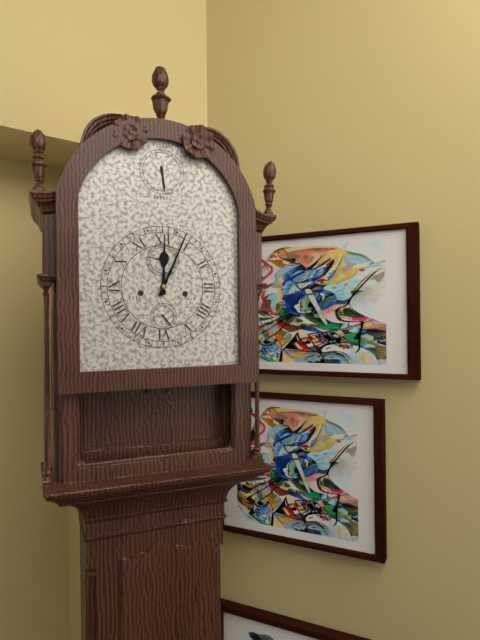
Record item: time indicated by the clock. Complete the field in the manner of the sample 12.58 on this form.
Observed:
12.04
